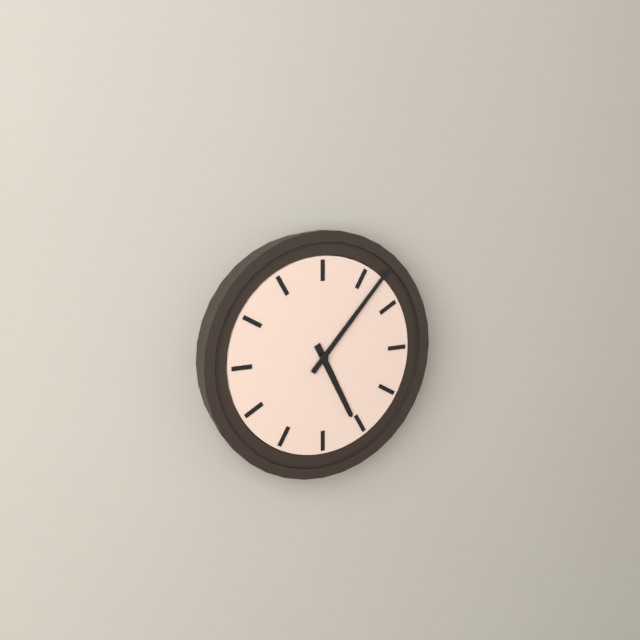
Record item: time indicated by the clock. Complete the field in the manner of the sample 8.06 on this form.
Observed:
5.07
